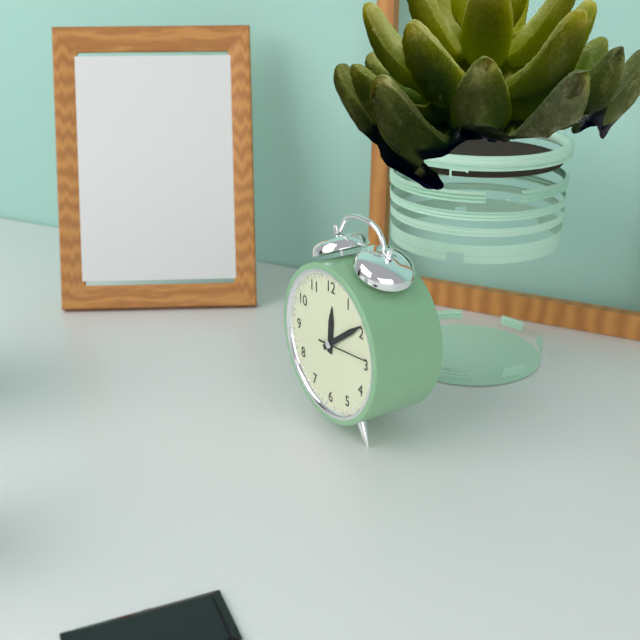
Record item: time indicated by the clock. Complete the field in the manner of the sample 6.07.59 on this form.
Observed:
12.09.14
